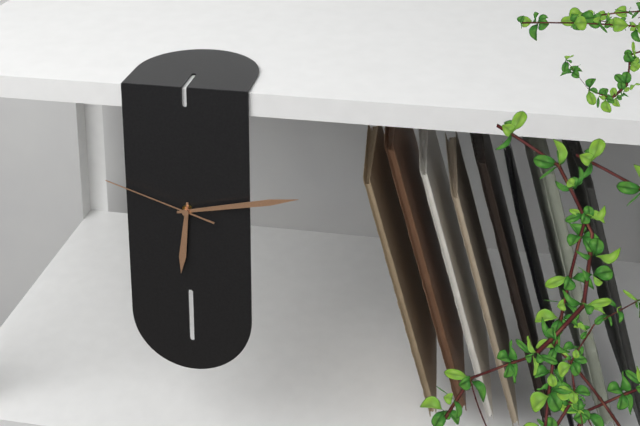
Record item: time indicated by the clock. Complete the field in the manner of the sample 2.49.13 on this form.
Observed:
6.13.48
